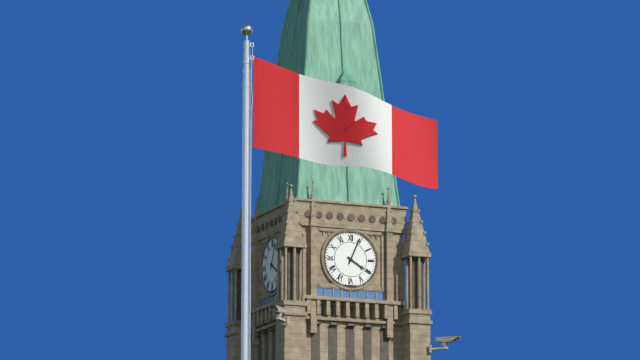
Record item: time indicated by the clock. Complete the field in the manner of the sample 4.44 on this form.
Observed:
4.04
